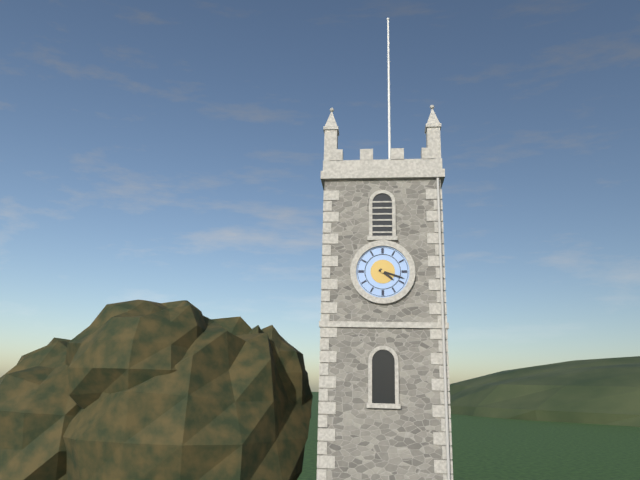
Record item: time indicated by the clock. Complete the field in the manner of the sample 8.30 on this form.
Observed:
4.18
